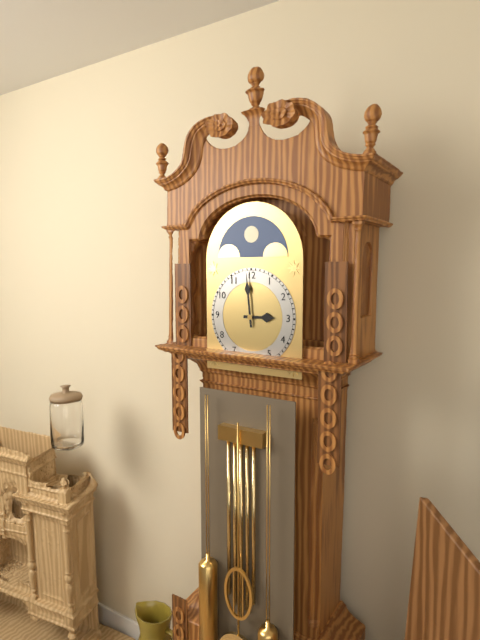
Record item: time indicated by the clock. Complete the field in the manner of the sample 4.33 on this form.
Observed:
2.59
